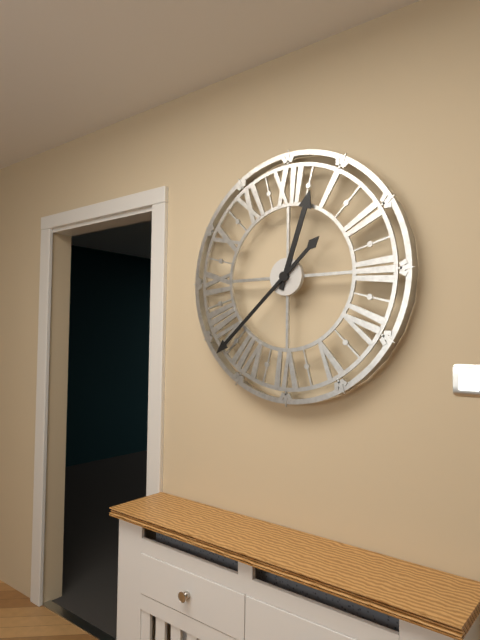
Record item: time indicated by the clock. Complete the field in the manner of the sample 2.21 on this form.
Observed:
12.38
